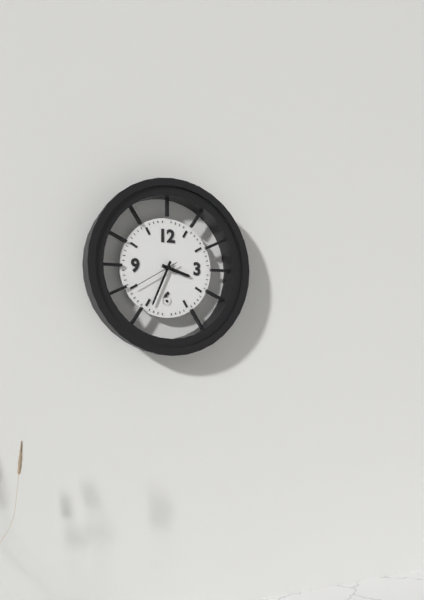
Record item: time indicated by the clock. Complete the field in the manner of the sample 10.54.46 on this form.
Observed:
3.34.40
